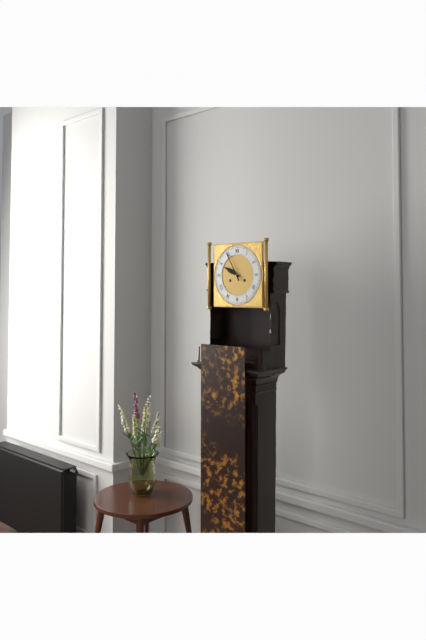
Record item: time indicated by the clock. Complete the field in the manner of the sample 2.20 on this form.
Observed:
9.55
